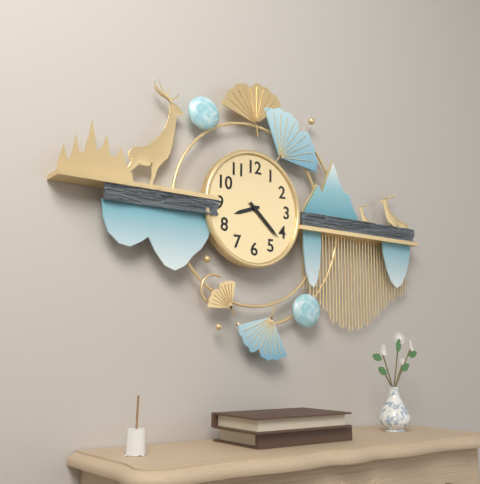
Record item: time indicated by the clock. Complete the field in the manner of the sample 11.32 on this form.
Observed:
8.22
